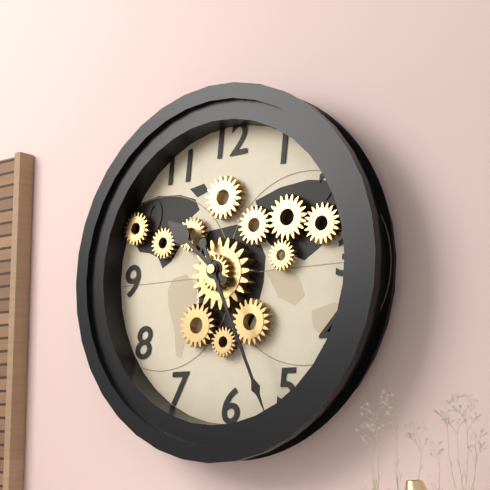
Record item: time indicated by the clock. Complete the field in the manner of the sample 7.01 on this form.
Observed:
10.26
